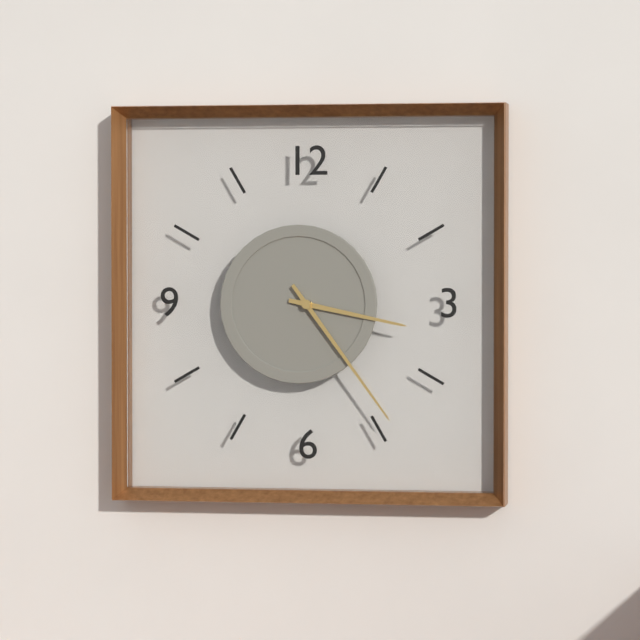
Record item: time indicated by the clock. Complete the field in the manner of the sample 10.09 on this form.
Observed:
3.24
